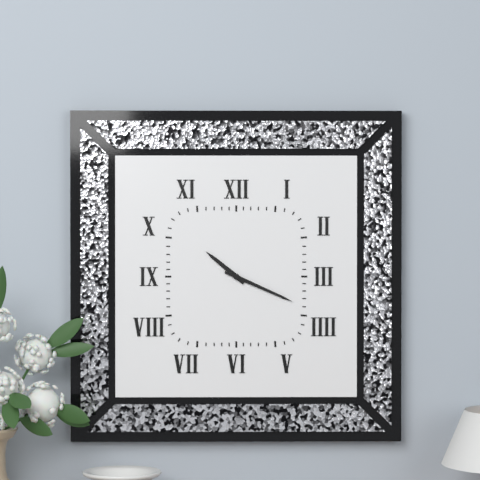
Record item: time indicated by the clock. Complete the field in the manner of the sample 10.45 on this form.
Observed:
10.19
